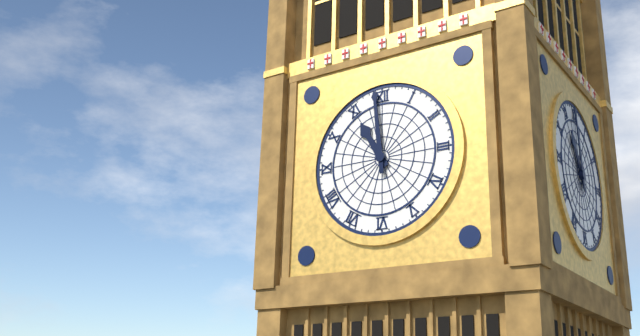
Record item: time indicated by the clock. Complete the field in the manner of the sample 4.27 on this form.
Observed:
10.59
